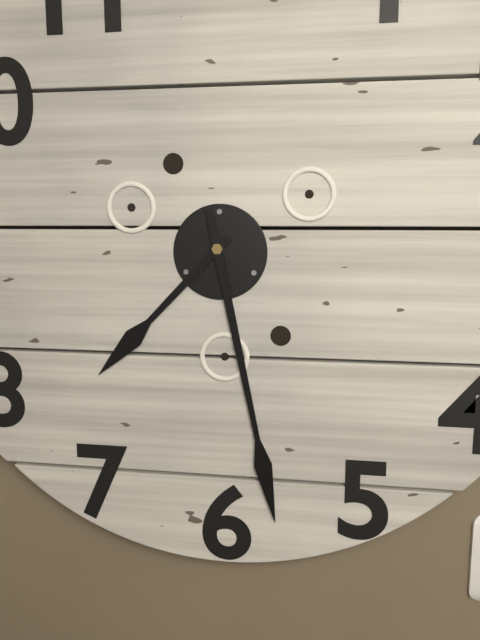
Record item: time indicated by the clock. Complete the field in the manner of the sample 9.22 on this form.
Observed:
7.28
